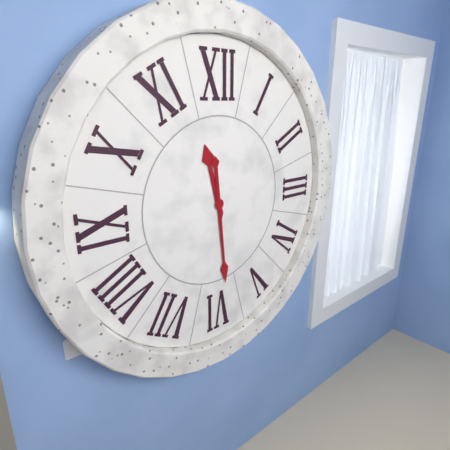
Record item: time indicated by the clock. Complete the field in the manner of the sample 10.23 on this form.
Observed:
11.29
